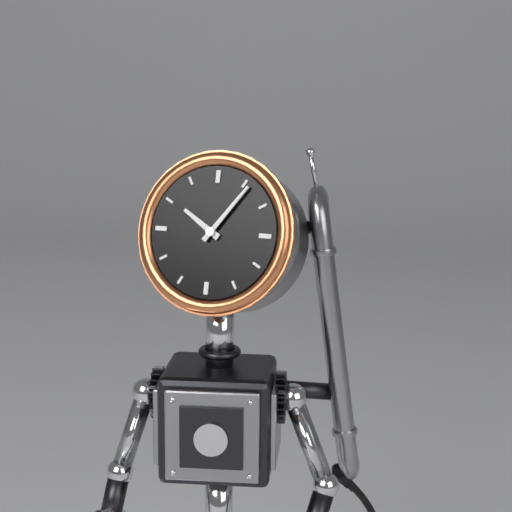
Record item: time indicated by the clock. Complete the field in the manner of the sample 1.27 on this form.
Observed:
10.06
